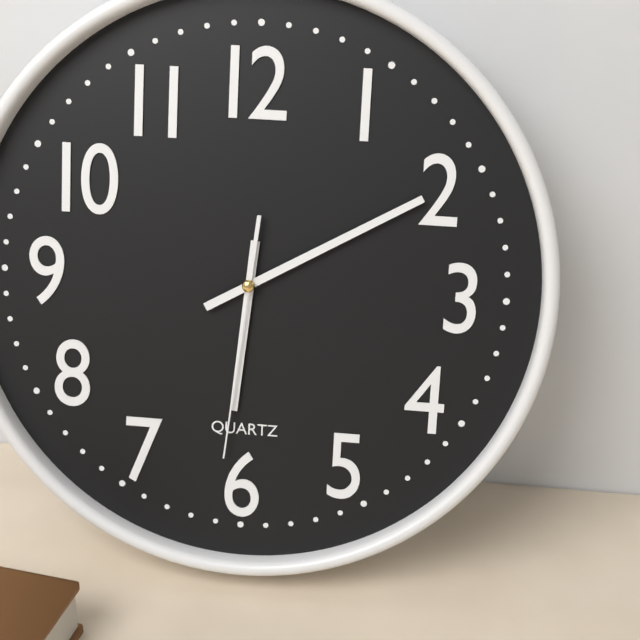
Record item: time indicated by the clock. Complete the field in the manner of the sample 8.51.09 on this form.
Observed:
6.10.31
